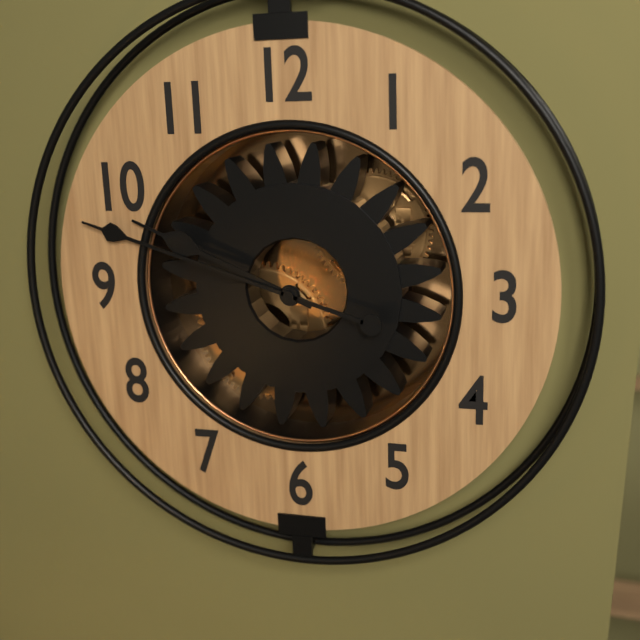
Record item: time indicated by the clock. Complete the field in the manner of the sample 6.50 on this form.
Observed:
9.48
